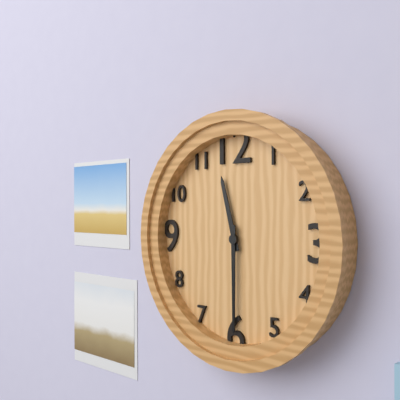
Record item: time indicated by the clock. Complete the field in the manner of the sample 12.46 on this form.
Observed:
11.30
